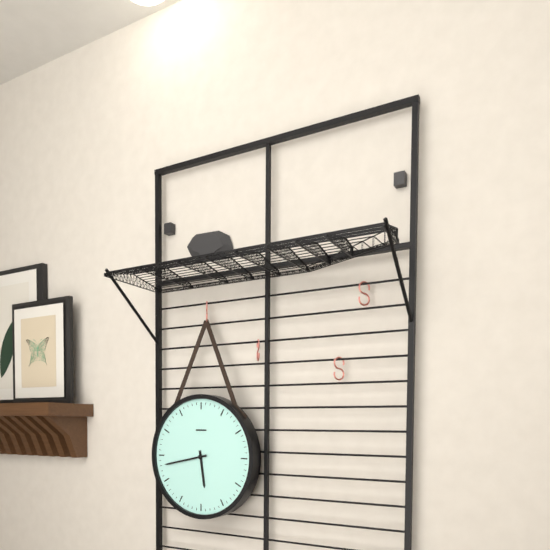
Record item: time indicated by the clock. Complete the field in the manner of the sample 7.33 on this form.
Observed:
5.43
